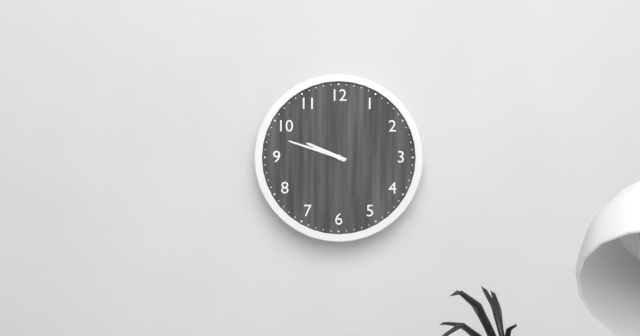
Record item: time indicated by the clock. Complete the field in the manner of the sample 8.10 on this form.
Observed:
9.48
